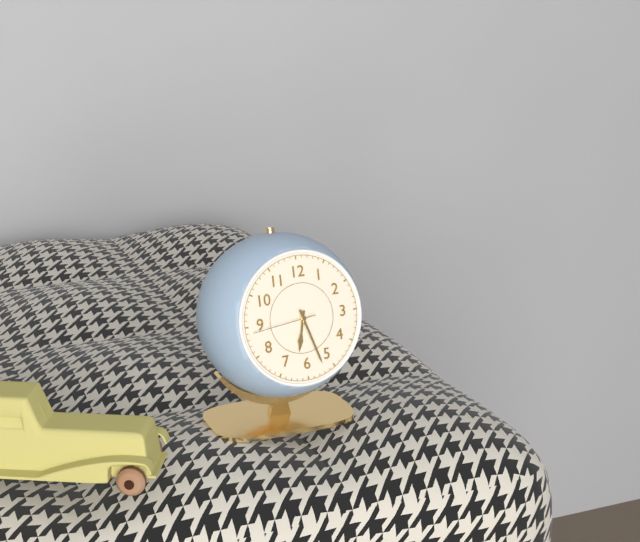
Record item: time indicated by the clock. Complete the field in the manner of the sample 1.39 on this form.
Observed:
6.27
